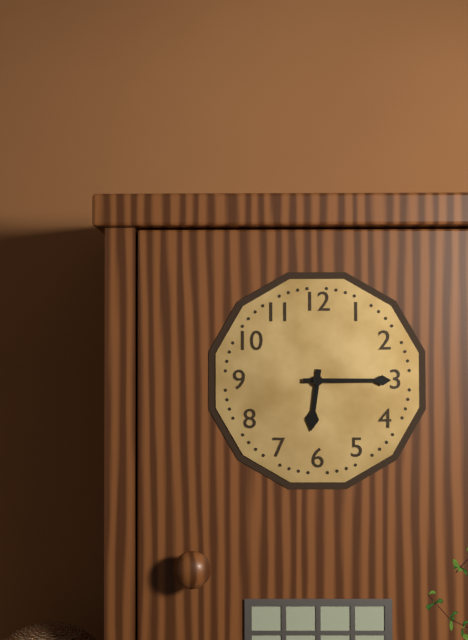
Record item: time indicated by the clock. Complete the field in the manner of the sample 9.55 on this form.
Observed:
6.15
